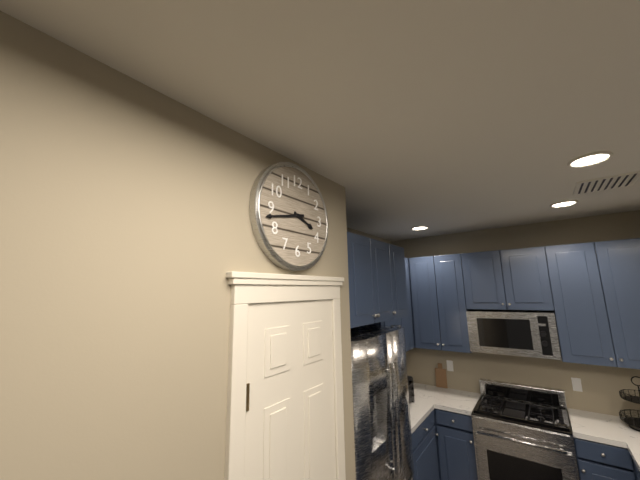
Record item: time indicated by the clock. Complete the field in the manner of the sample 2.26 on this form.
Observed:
3.43
